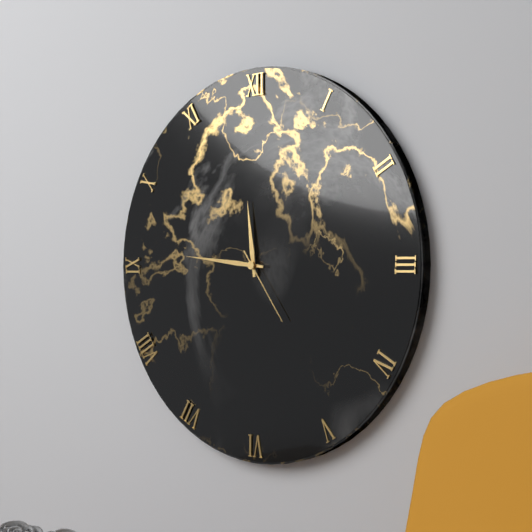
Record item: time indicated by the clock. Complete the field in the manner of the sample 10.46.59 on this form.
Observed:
11.46.24
